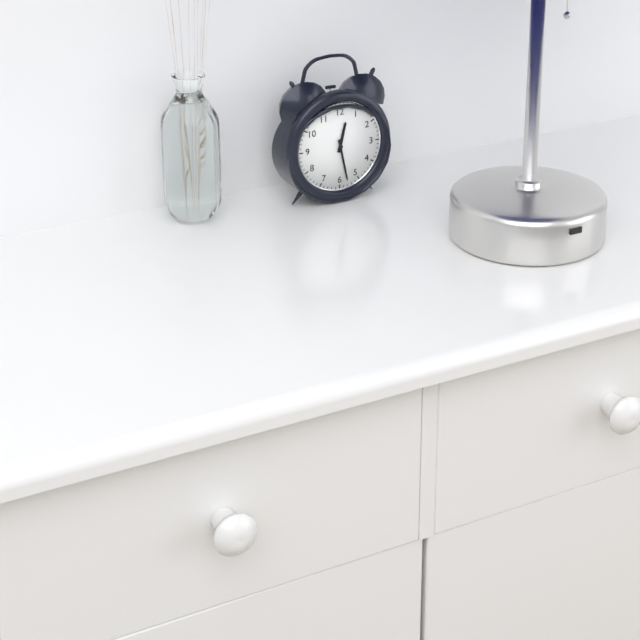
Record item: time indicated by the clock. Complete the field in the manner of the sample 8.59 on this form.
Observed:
12.28
